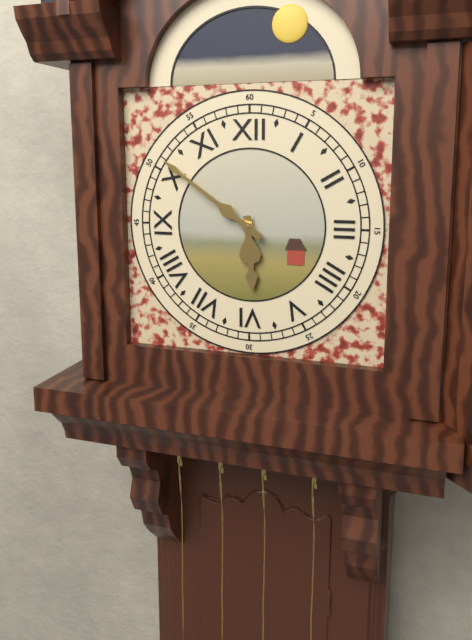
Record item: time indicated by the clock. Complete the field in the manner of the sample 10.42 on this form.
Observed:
5.51
